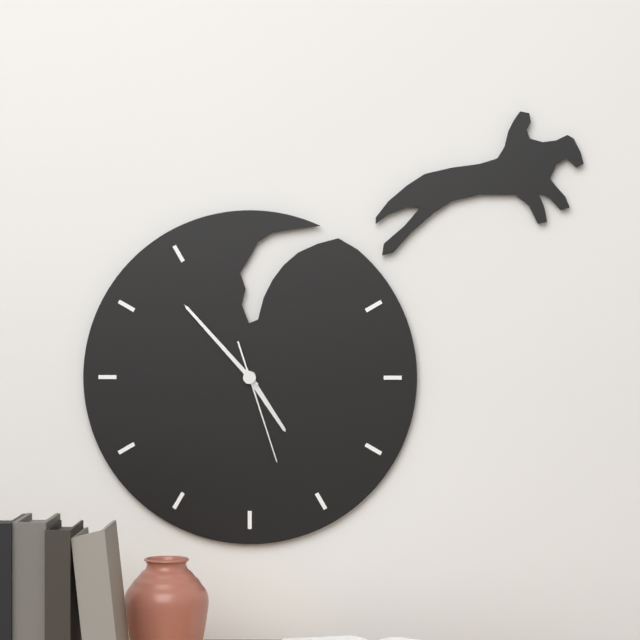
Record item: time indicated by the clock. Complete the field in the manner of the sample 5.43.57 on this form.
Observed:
4.53.27
